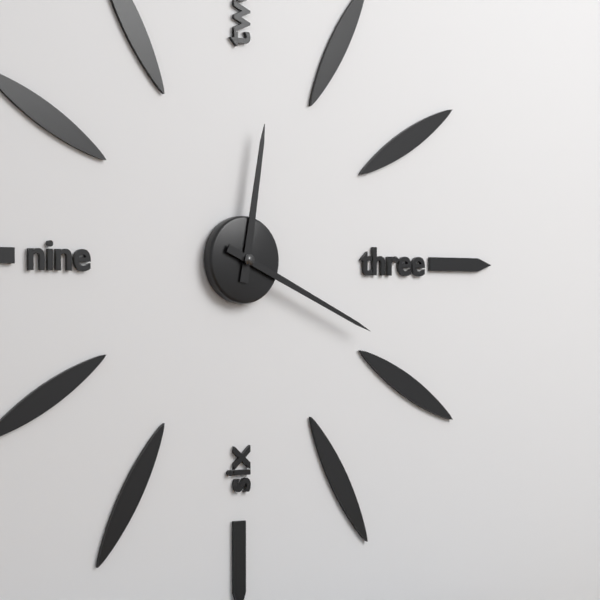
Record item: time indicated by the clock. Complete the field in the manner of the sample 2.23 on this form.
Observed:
12.19
